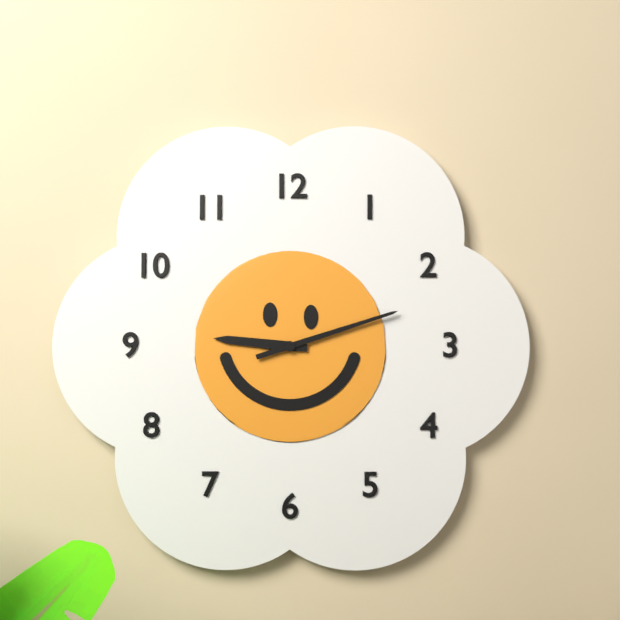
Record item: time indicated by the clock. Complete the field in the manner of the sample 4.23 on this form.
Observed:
9.12
